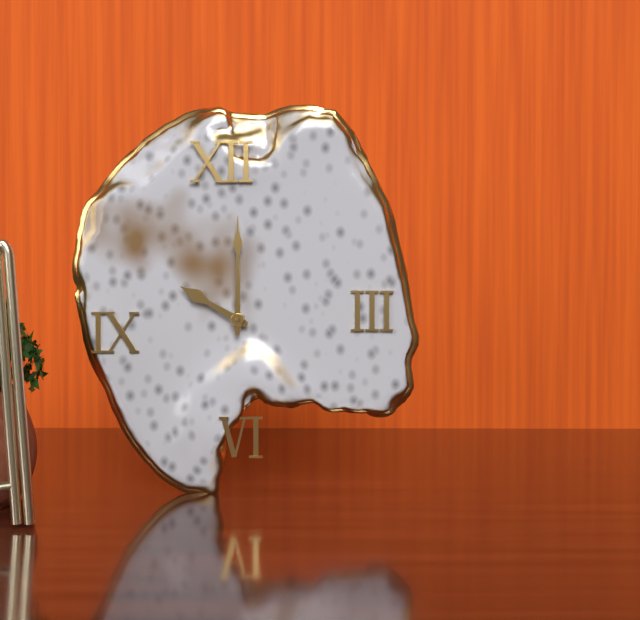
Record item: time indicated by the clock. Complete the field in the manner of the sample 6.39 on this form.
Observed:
10.00
